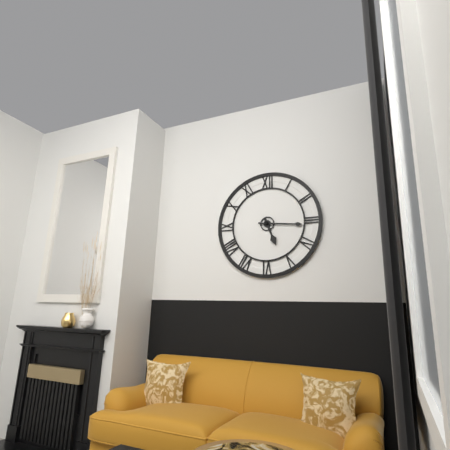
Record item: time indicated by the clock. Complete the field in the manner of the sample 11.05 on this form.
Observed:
5.16
